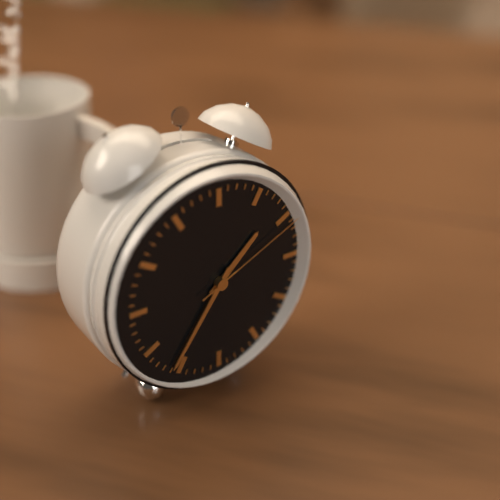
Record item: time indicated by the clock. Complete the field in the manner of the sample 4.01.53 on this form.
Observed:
1.36.11
